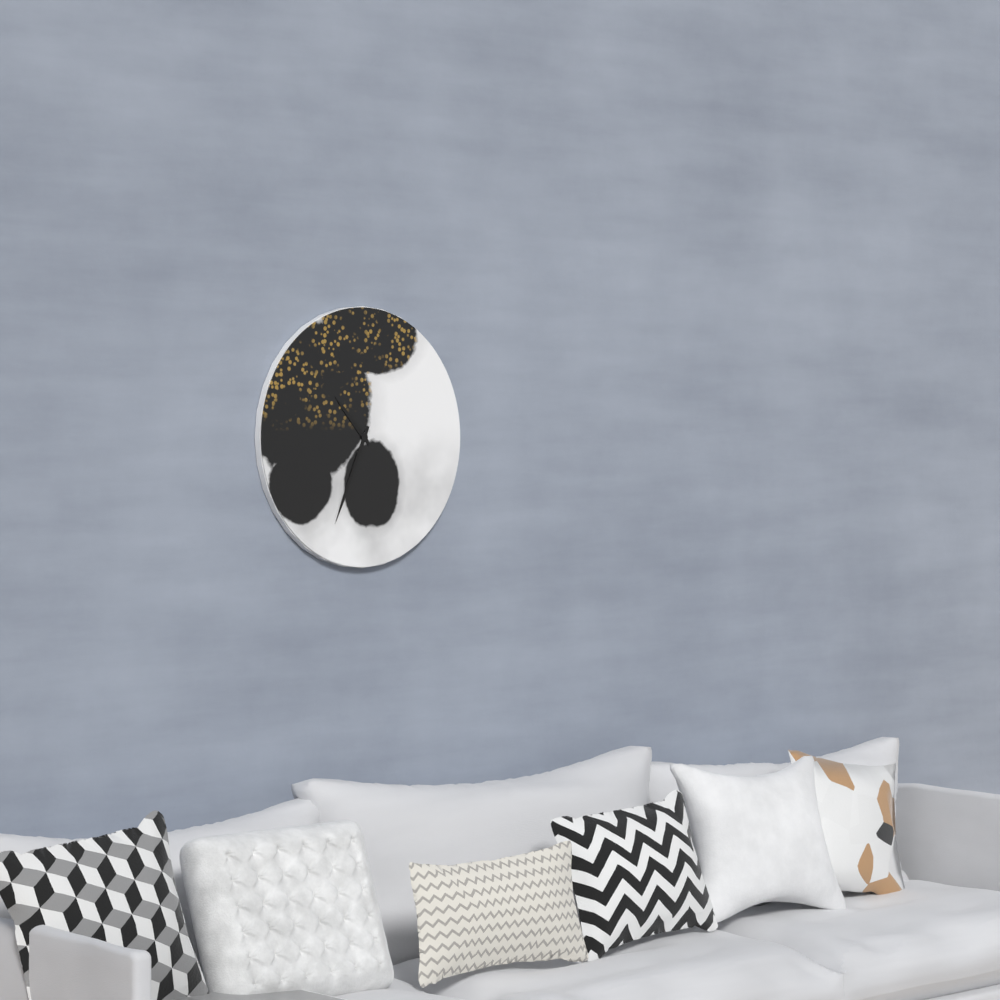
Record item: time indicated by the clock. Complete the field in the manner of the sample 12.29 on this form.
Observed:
10.34
